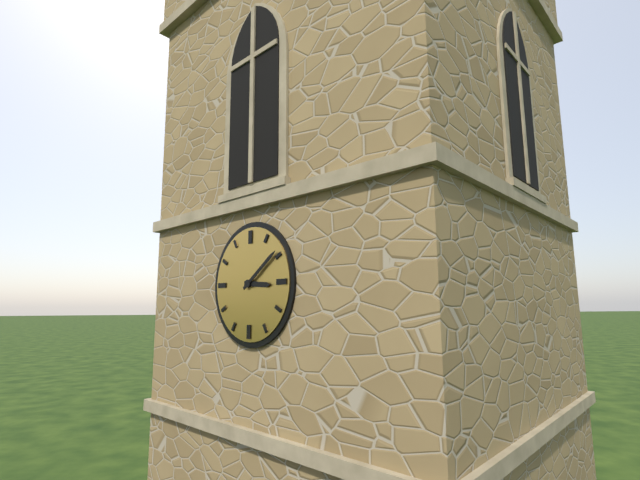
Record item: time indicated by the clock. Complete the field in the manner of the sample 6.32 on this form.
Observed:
3.09
